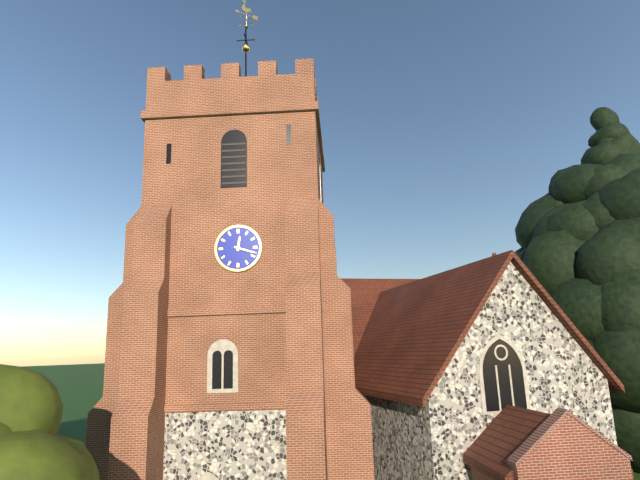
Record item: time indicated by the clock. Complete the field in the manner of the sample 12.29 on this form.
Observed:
12.18
